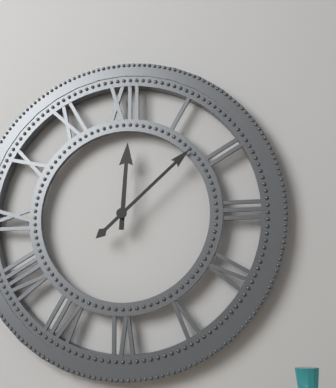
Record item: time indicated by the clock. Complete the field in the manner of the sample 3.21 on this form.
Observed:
12.08
